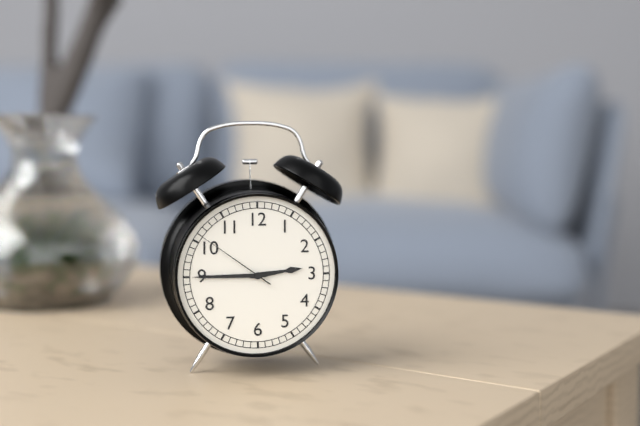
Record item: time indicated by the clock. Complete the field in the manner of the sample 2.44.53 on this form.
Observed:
2.45.51
